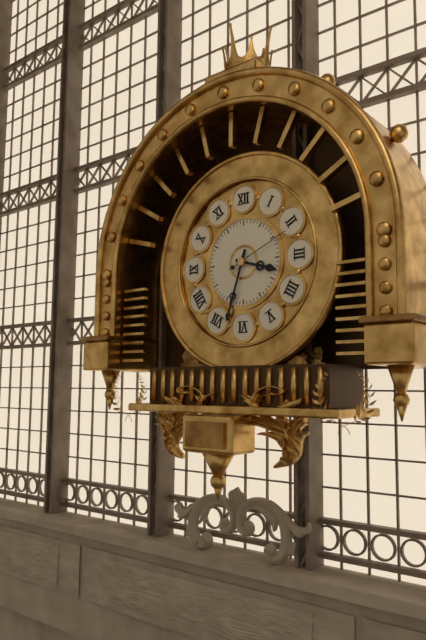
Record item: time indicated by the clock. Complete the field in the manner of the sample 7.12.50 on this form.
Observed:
3.33.11
